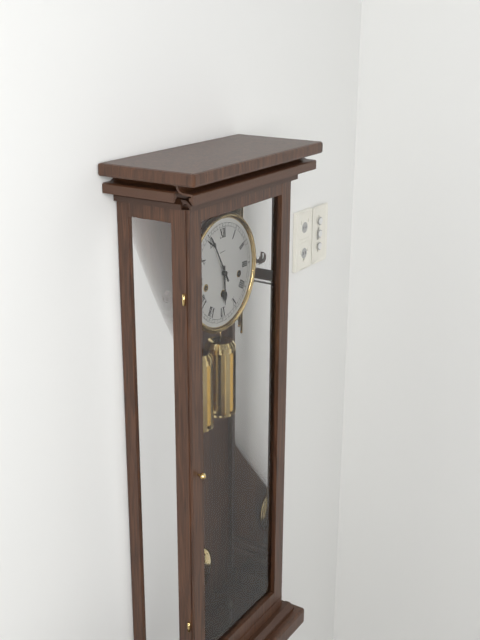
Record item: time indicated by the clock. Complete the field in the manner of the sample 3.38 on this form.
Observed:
5.55
